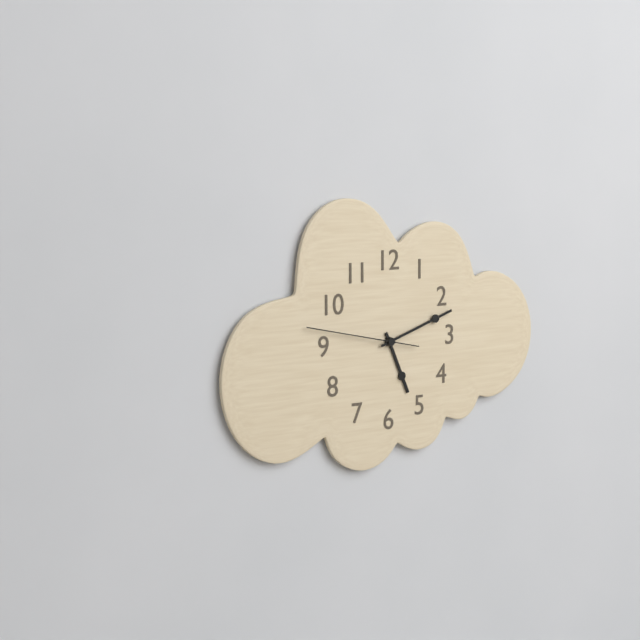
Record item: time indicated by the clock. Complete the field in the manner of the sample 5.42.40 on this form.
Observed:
5.12.47
